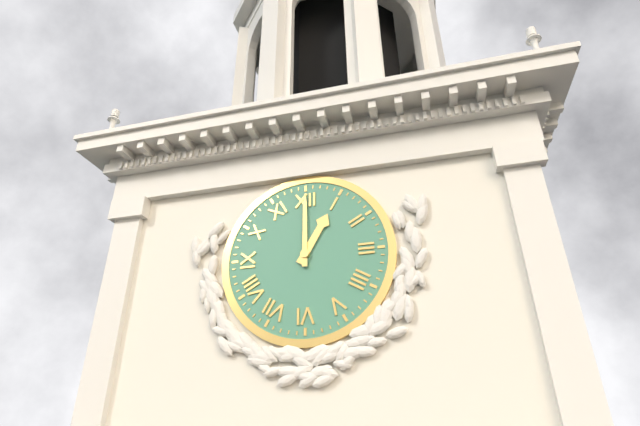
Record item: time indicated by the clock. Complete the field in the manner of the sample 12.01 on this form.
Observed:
1.00
